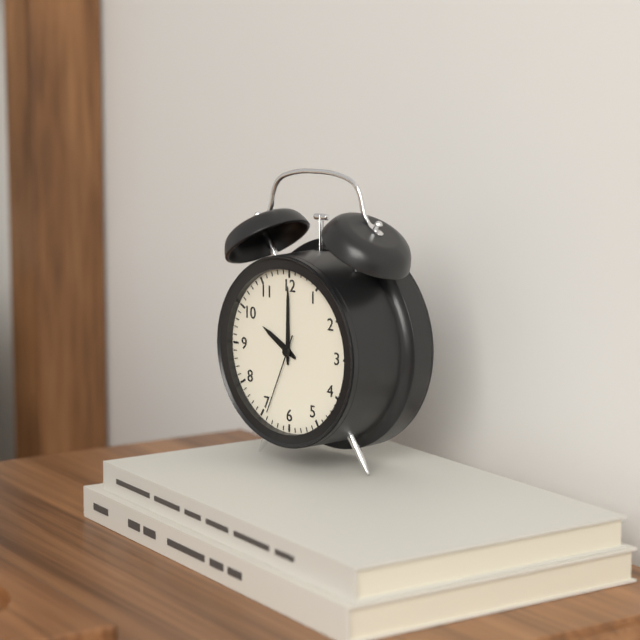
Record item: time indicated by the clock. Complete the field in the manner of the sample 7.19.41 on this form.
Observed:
10.00.34
